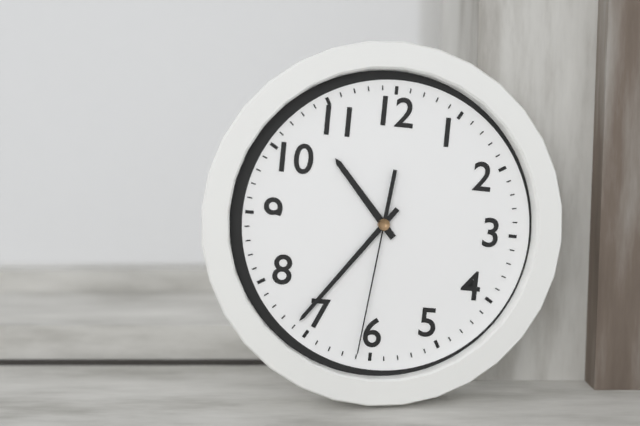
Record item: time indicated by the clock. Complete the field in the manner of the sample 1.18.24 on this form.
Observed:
10.36.31
